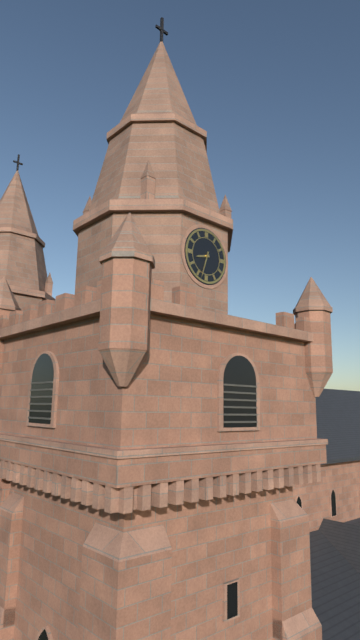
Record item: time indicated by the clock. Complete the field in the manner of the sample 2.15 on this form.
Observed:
8.33
